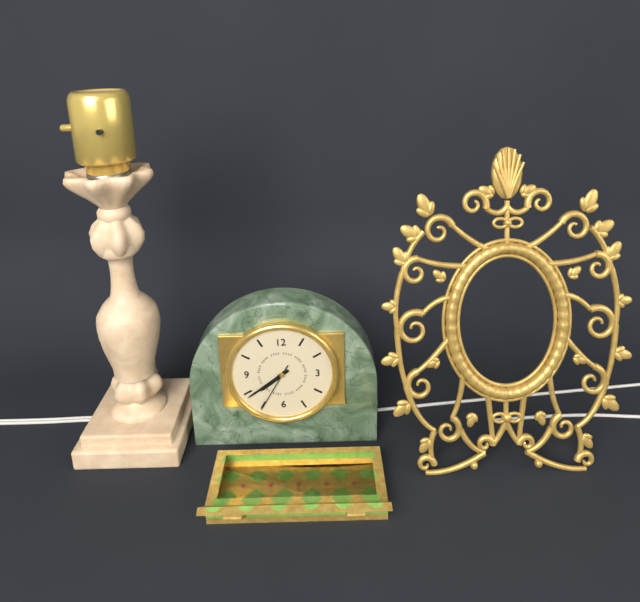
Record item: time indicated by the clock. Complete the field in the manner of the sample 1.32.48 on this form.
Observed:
7.39.35
